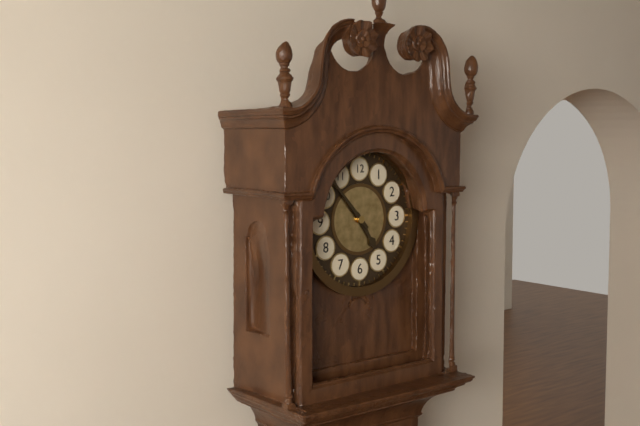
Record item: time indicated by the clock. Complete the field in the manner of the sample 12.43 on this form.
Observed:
4.53
